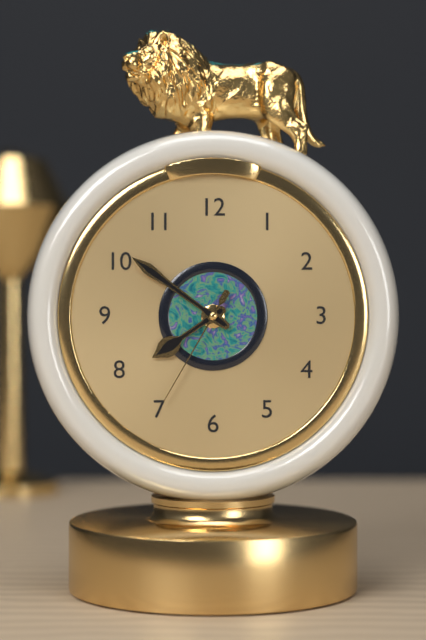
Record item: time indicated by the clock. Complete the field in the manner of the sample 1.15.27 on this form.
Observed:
7.51.35
